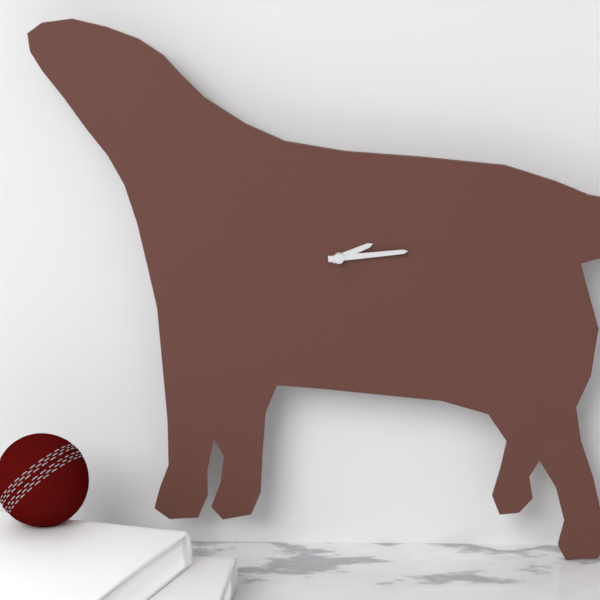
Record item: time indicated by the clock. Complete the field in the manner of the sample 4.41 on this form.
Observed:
2.14
